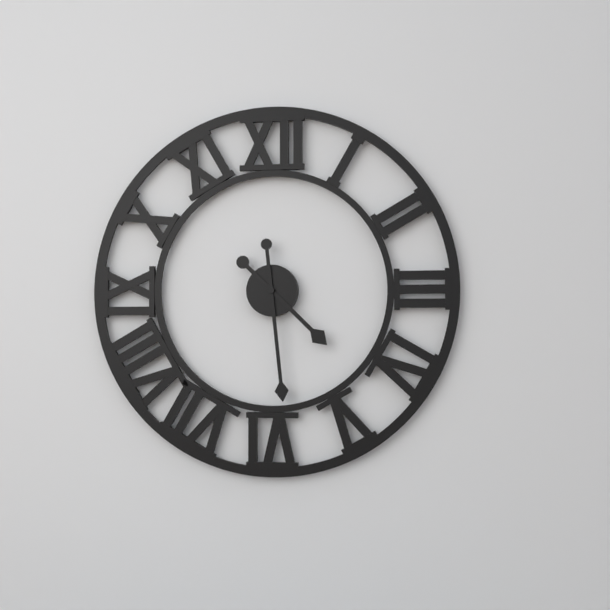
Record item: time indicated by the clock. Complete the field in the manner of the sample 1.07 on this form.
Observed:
4.29
